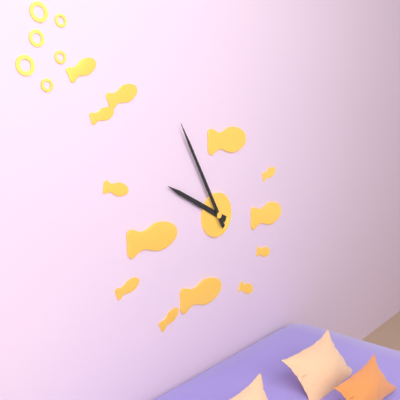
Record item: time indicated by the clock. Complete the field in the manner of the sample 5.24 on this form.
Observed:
9.55
